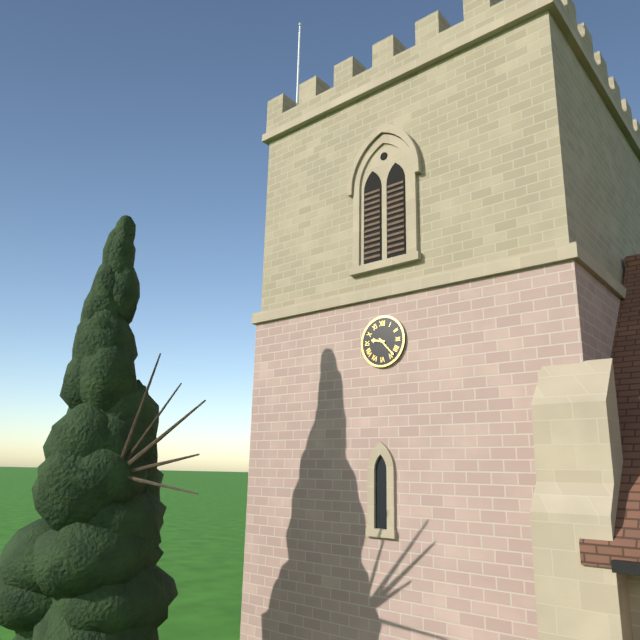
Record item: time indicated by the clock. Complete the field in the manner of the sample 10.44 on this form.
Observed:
9.23
